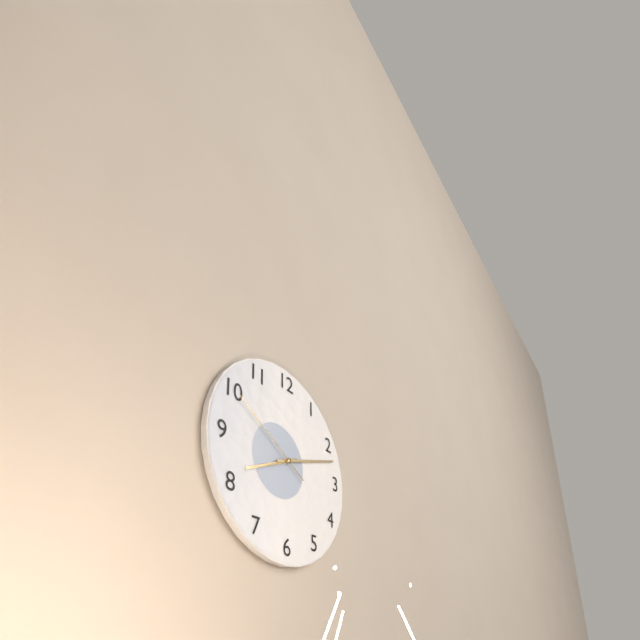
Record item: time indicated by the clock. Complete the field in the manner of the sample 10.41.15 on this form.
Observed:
8.12.50
